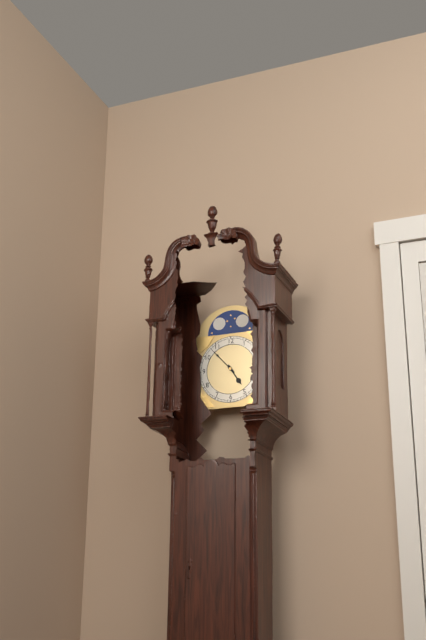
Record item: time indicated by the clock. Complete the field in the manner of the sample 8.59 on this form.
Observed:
4.53
